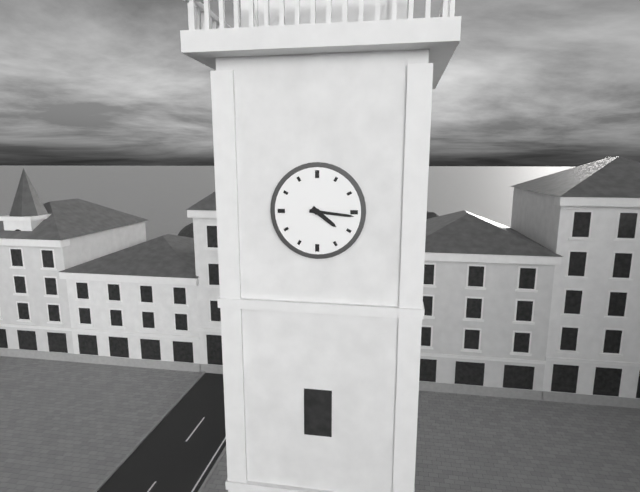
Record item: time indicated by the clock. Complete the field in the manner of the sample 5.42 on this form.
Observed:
4.16
